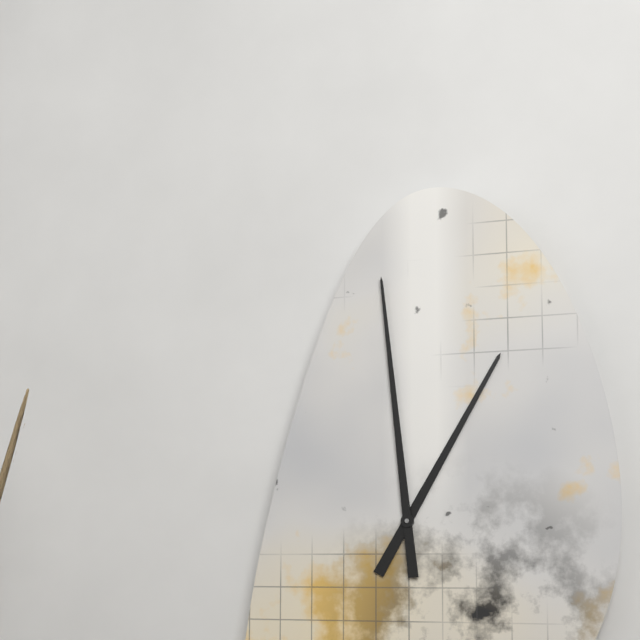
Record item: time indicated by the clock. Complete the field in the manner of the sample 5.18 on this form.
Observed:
12.59
